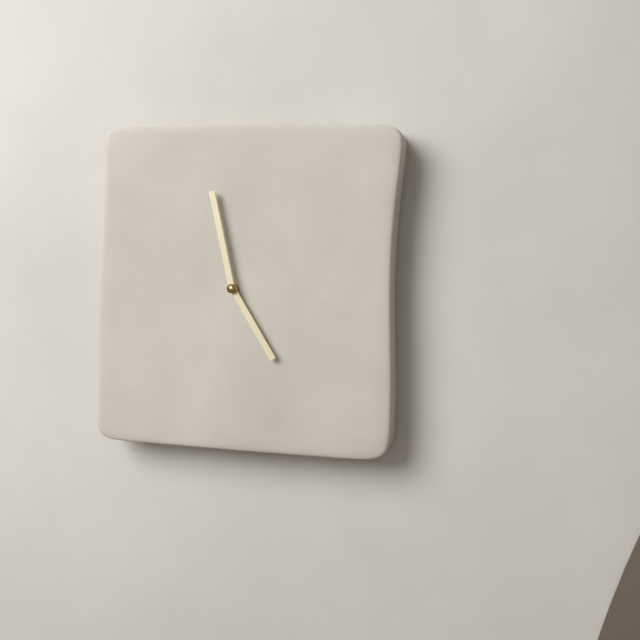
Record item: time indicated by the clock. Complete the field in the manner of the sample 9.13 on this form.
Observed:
4.58
